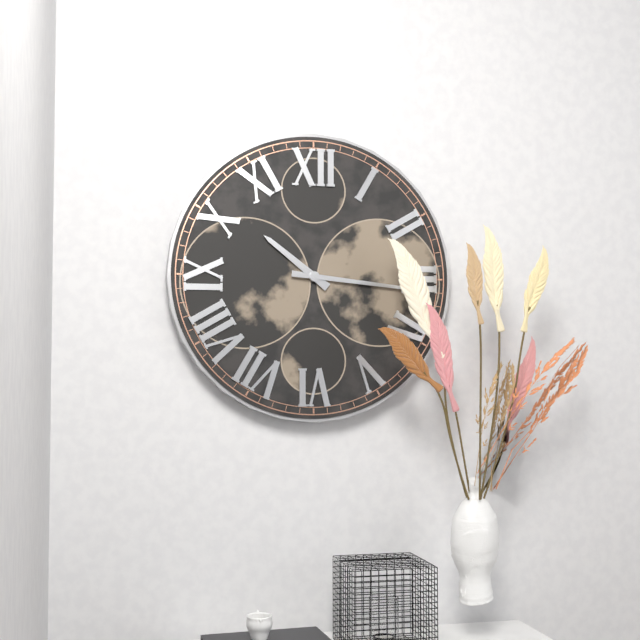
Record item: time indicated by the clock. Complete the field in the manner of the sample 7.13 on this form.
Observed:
10.16
